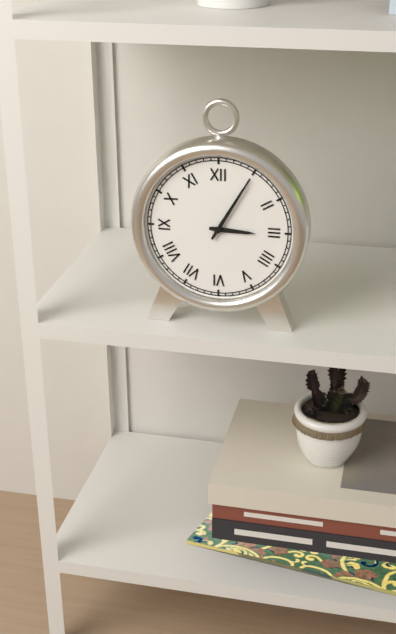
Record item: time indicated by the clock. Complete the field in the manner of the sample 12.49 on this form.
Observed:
3.05
